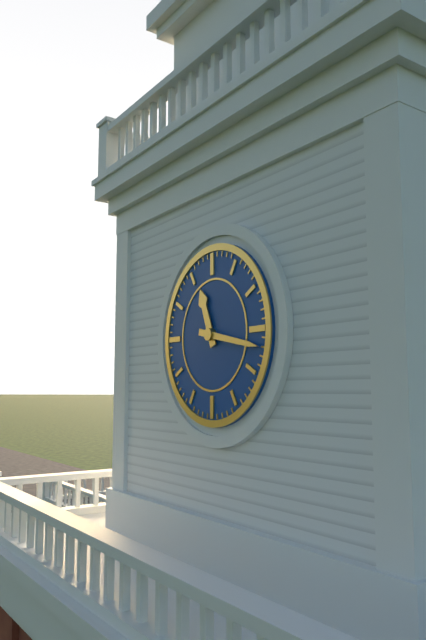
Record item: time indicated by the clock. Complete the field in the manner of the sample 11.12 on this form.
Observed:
11.17
